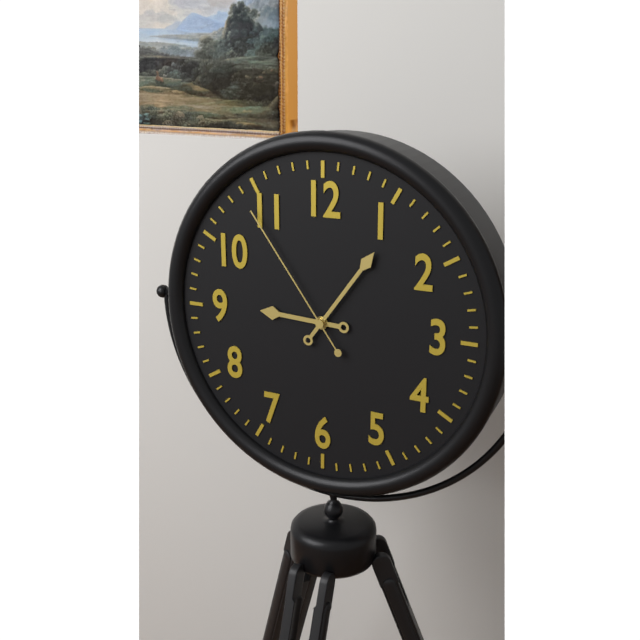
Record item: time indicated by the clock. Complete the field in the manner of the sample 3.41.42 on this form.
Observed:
9.06.54
